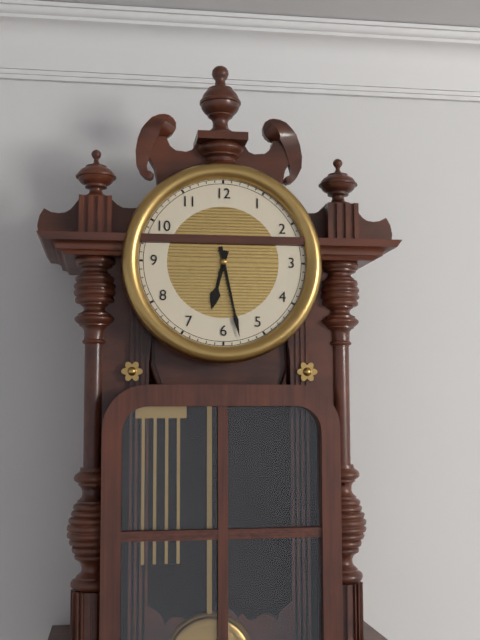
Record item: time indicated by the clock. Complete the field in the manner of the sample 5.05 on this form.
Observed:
6.28
